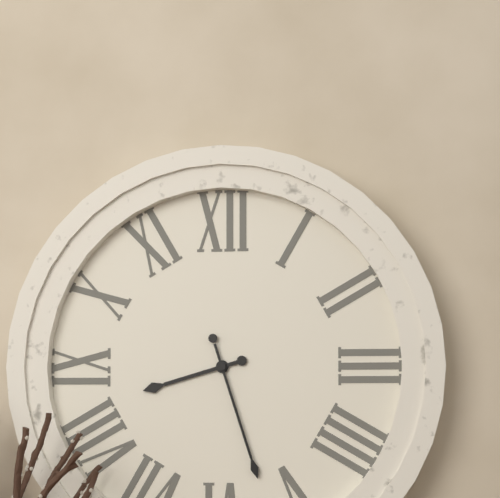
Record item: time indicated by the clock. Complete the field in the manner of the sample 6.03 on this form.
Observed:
8.27
